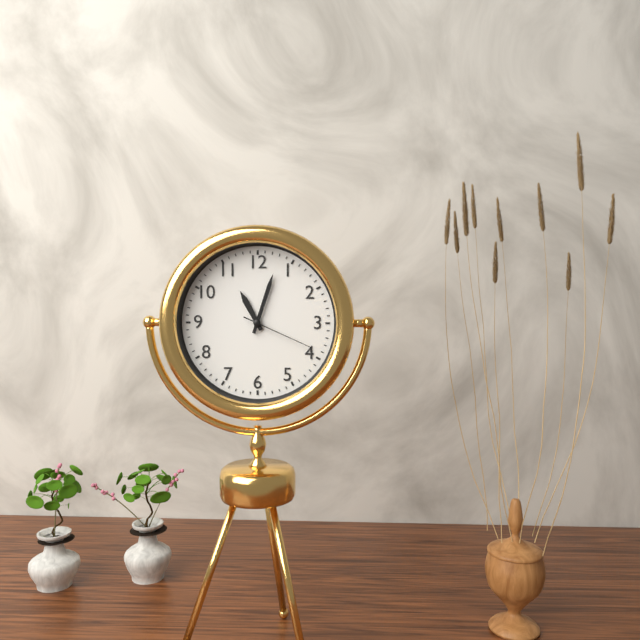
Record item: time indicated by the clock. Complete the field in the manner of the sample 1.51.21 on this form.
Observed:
11.03.19
